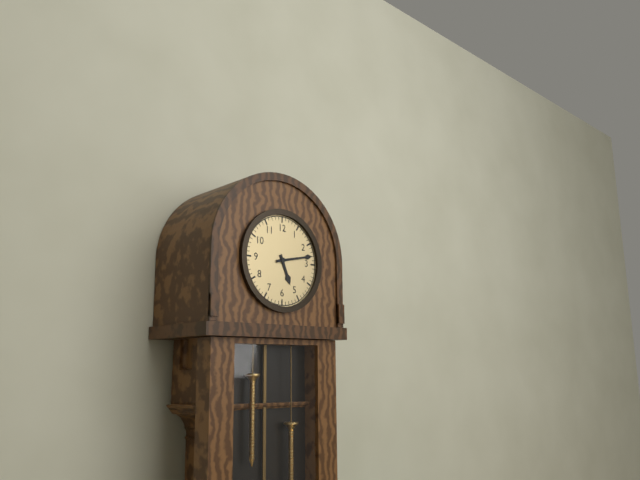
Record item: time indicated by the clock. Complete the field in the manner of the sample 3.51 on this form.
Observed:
5.13
